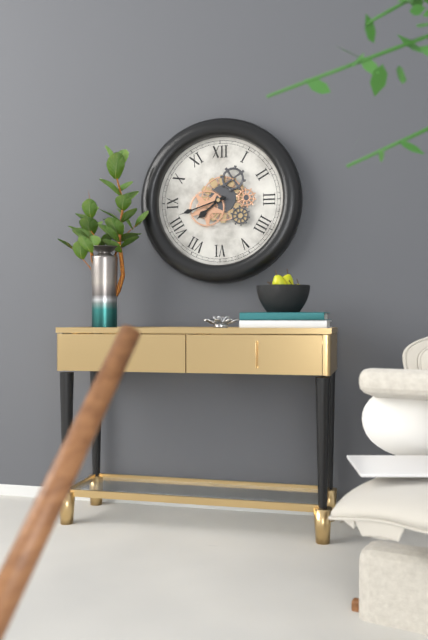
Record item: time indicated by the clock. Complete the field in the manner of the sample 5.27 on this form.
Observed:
7.42
